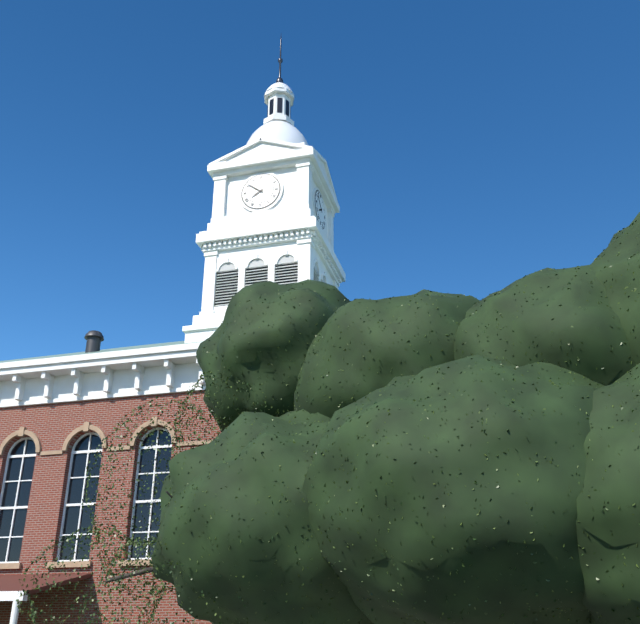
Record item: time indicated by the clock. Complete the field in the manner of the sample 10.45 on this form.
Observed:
7.51
